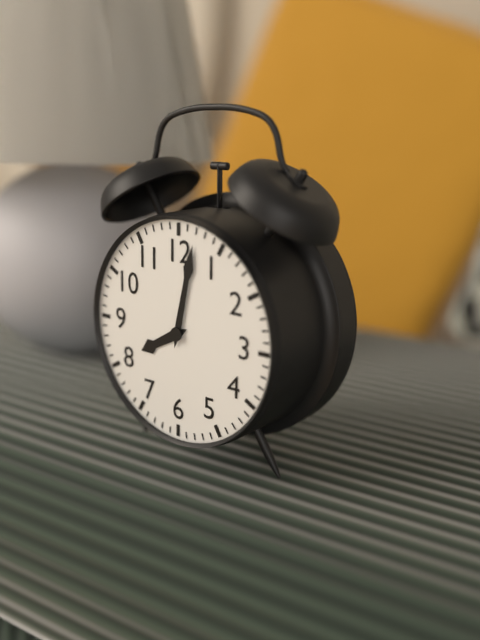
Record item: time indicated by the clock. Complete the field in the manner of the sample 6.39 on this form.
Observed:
8.02
